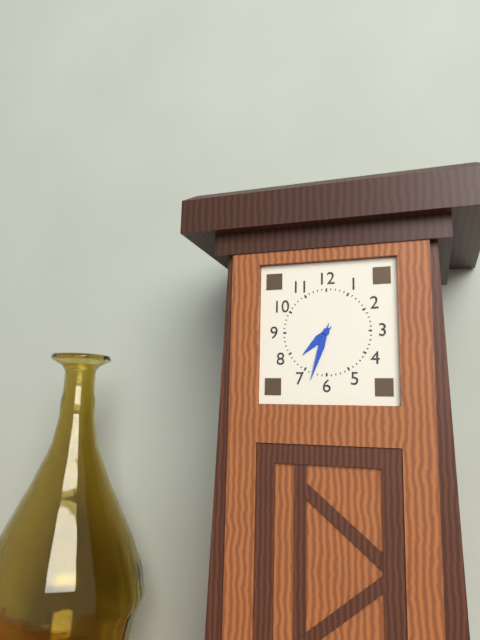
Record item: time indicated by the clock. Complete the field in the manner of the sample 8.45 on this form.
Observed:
7.33
